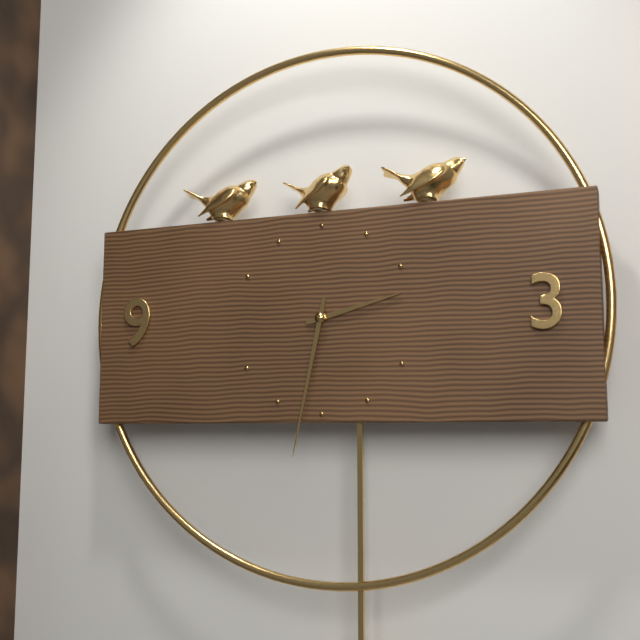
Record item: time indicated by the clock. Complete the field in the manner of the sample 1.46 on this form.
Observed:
2.32
